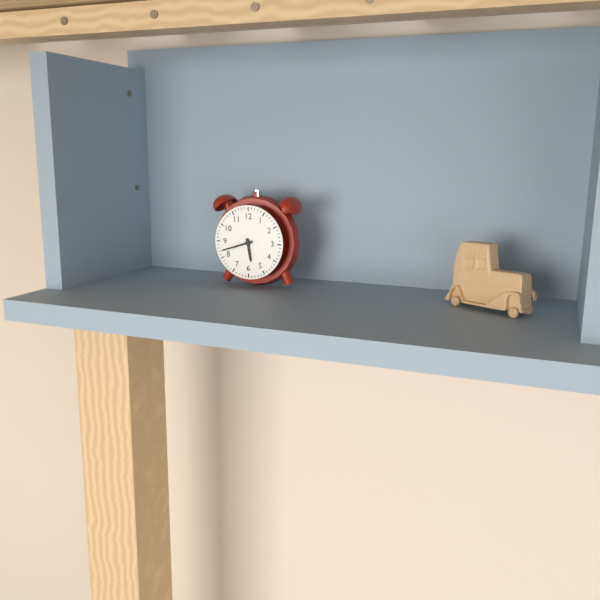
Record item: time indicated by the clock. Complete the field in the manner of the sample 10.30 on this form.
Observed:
5.42
